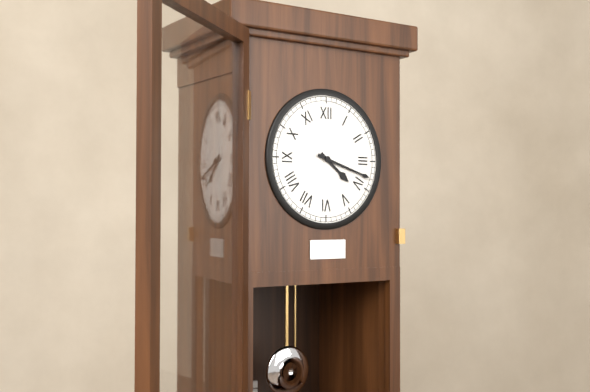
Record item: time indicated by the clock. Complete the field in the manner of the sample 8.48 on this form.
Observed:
4.18
